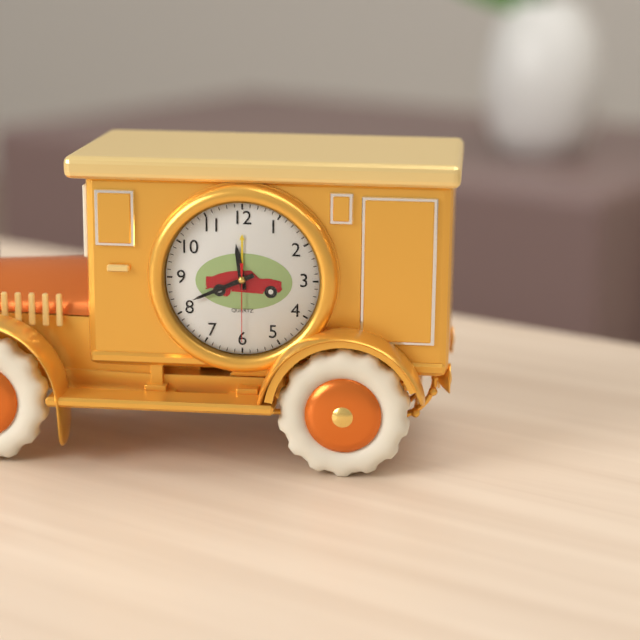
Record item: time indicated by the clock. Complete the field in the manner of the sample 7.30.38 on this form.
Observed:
11.41.30
